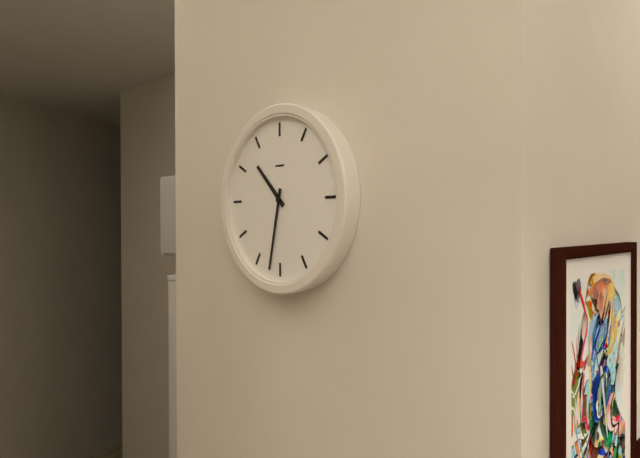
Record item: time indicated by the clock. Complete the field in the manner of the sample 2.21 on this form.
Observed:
10.32
